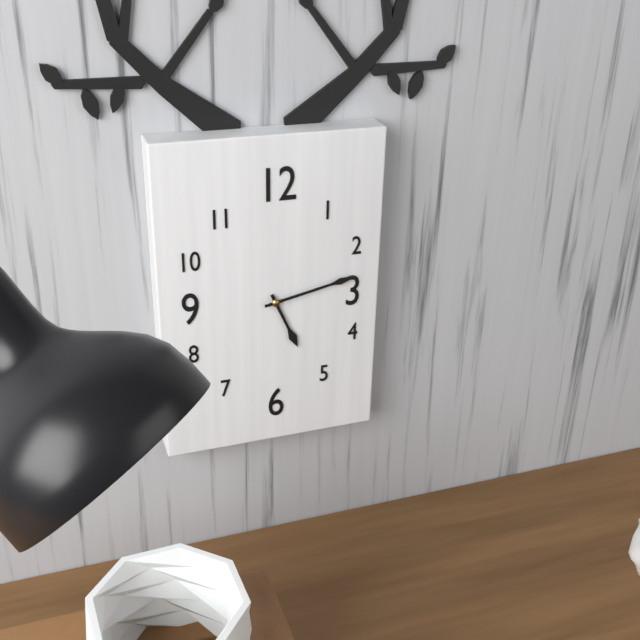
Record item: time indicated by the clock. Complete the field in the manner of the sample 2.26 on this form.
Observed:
5.13
